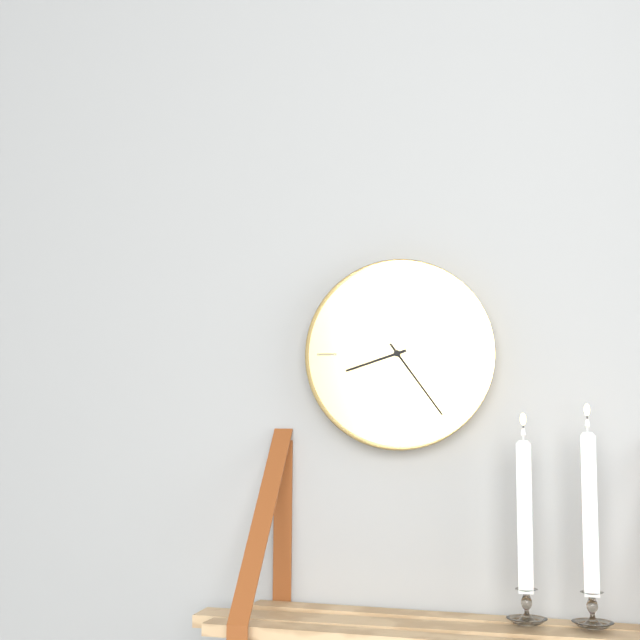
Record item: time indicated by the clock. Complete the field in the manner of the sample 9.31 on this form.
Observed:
8.24
